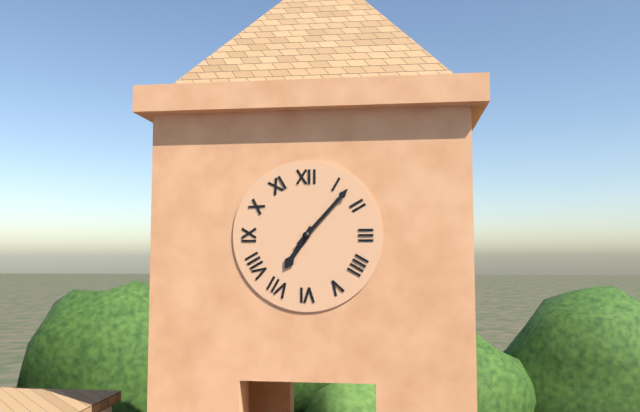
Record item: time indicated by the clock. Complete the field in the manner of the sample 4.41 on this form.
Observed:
7.07
